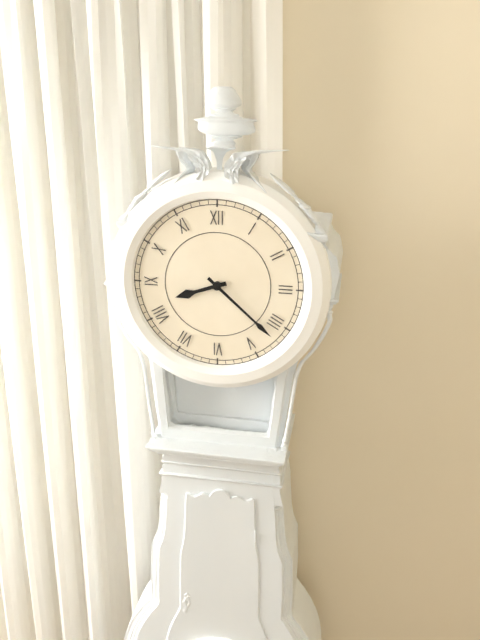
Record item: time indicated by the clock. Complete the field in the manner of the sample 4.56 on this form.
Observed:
8.22
